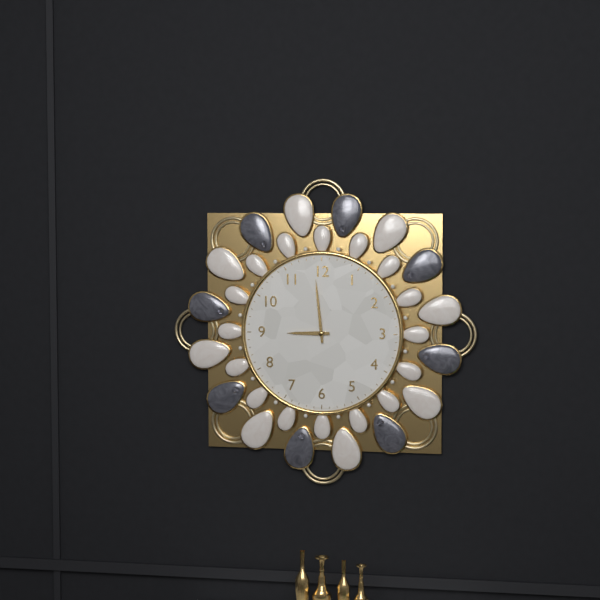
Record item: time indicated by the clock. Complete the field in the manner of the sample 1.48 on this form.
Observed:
8.59
